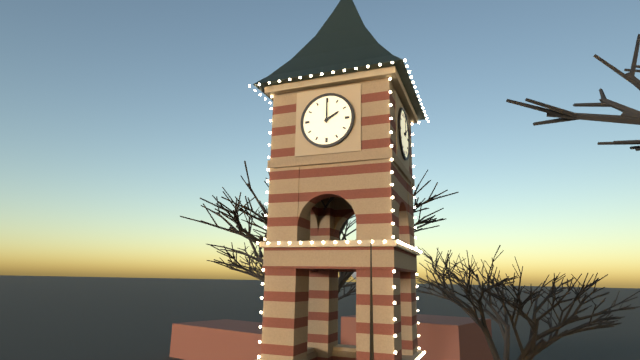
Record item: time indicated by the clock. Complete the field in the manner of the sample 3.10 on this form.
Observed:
2.00
